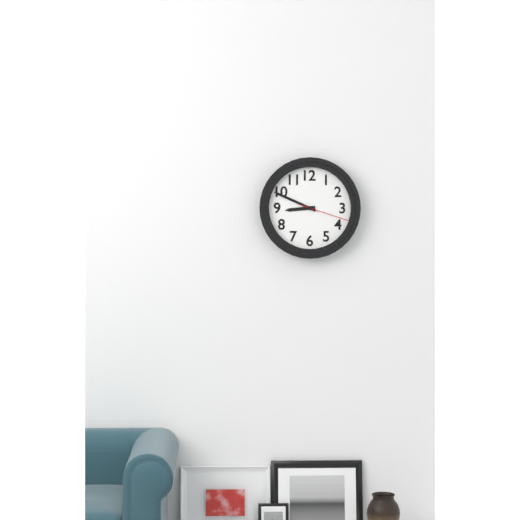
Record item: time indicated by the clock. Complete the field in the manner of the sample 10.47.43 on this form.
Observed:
8.49.18
